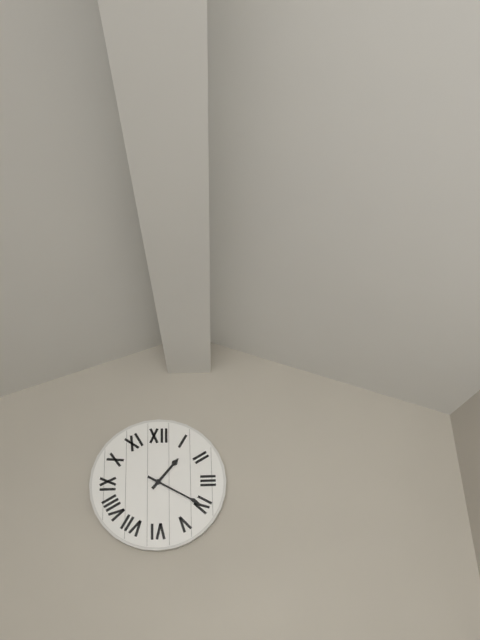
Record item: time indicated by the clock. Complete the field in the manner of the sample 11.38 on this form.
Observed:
1.20
